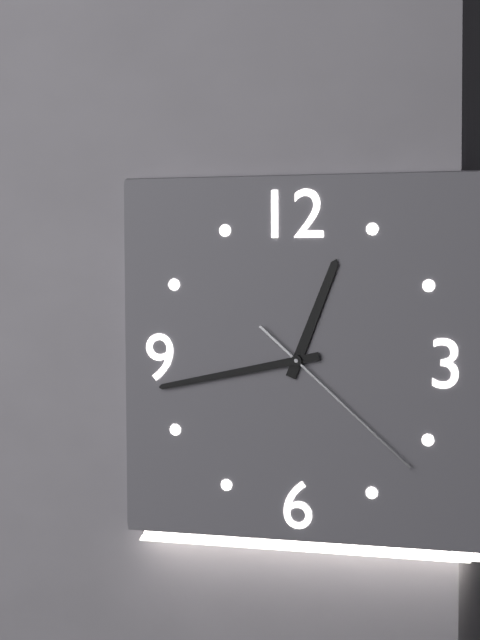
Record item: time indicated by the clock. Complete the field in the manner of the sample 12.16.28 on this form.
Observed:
12.43.22
